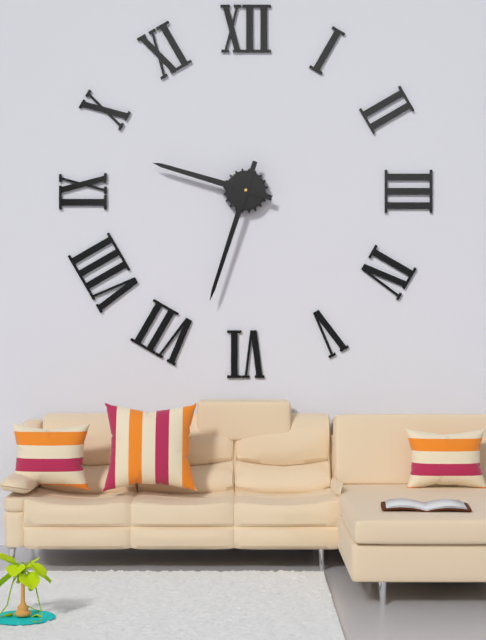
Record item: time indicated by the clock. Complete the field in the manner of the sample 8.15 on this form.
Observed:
9.33
